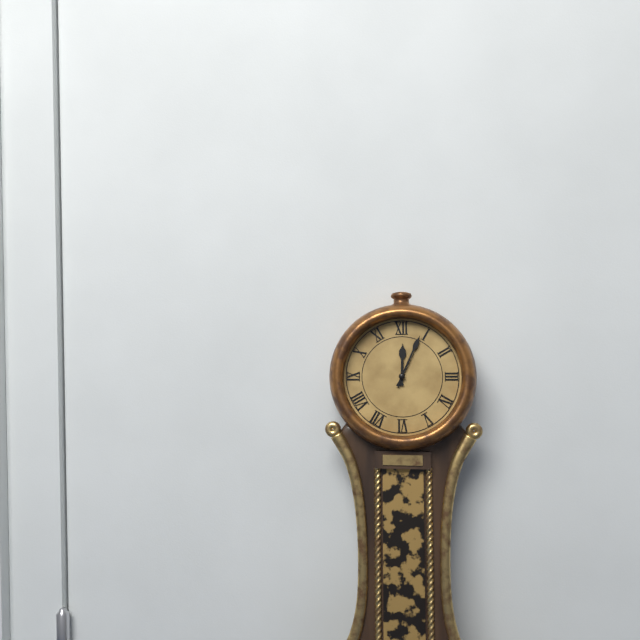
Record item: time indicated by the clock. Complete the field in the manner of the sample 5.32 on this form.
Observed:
12.04
